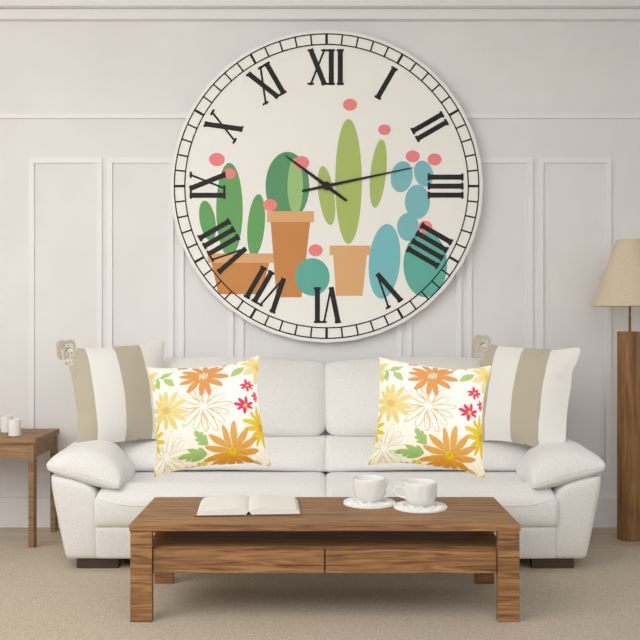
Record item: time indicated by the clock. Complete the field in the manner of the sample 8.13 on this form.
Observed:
10.13
